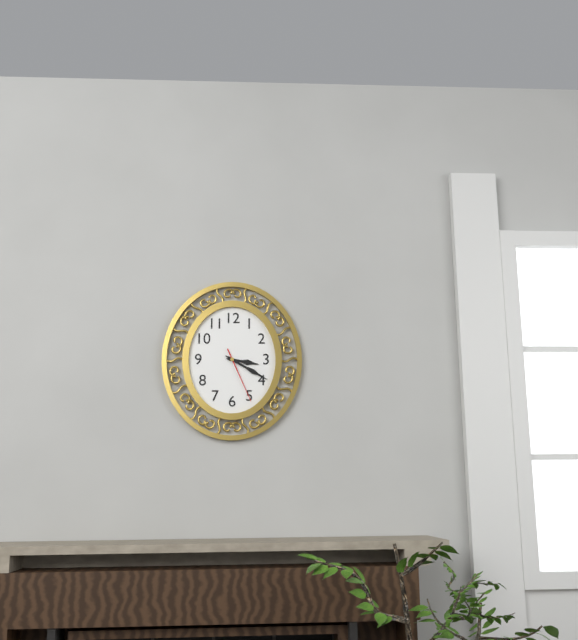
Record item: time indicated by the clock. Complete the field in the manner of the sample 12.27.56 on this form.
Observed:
3.20.26
